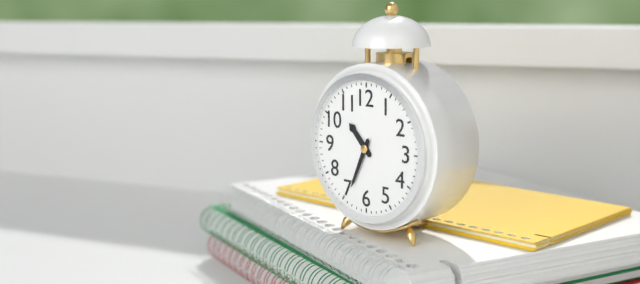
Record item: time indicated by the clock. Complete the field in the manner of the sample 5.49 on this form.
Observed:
10.34
